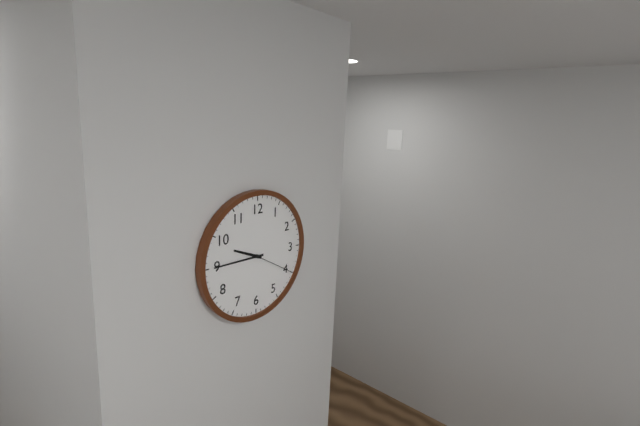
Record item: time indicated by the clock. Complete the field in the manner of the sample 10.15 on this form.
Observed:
9.45
